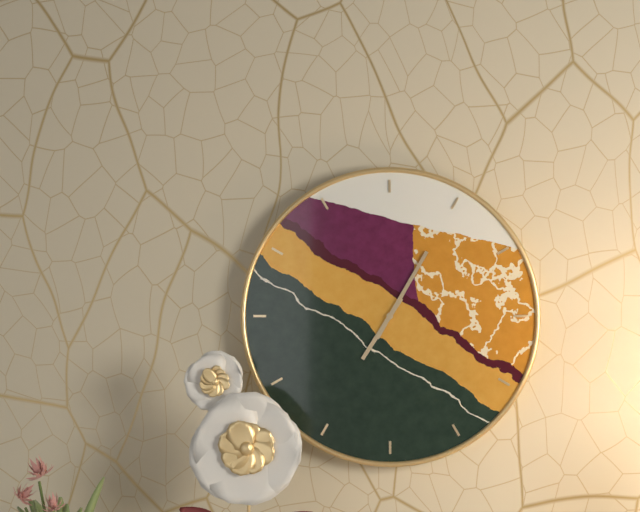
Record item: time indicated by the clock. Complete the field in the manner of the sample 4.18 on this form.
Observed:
7.05
